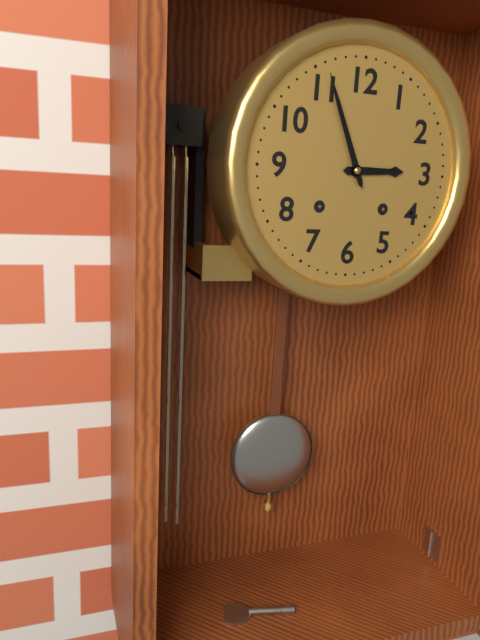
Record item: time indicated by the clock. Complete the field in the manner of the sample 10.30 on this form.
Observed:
2.56
